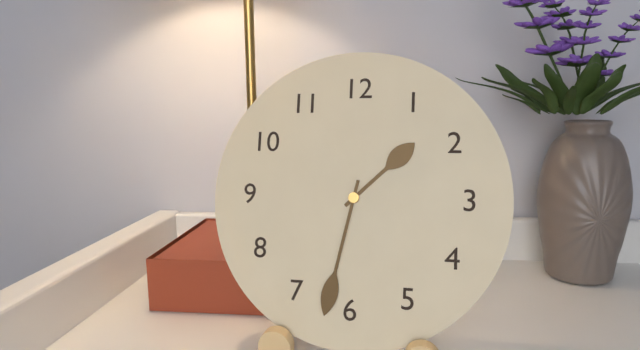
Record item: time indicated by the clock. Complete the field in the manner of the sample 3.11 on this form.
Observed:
1.32
